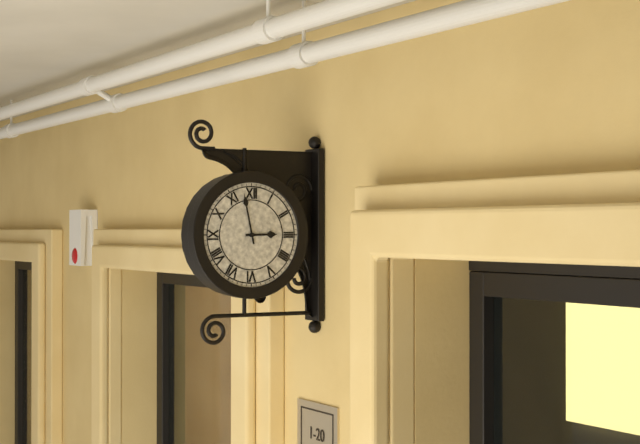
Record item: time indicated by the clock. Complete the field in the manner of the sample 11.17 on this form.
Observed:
2.58
